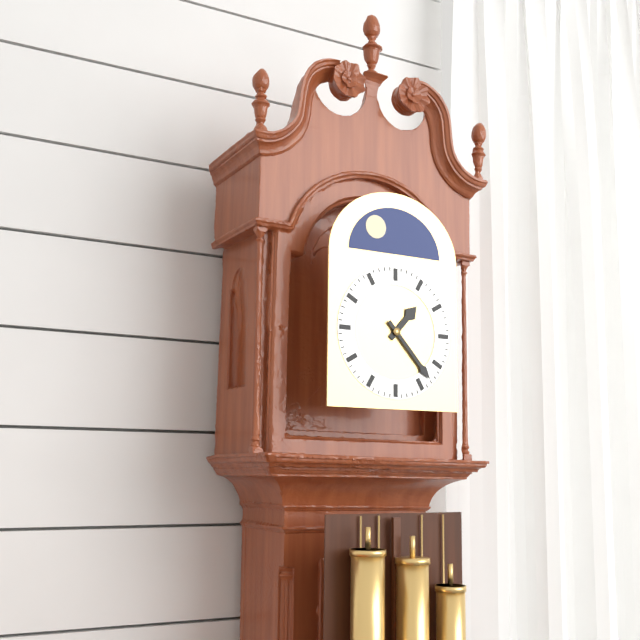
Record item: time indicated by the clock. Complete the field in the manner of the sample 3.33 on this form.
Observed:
1.23
